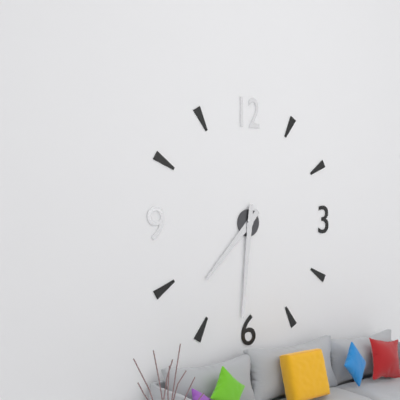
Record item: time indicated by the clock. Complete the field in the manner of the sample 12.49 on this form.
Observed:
7.31
